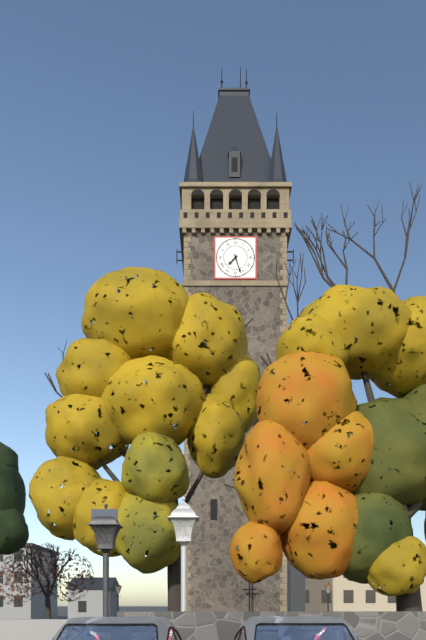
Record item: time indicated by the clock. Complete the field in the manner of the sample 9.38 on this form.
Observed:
7.27
